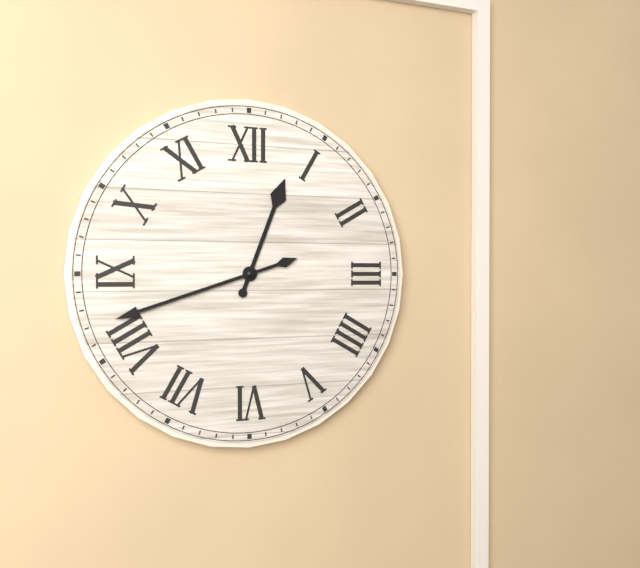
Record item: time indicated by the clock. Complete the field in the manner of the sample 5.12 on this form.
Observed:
12.42
